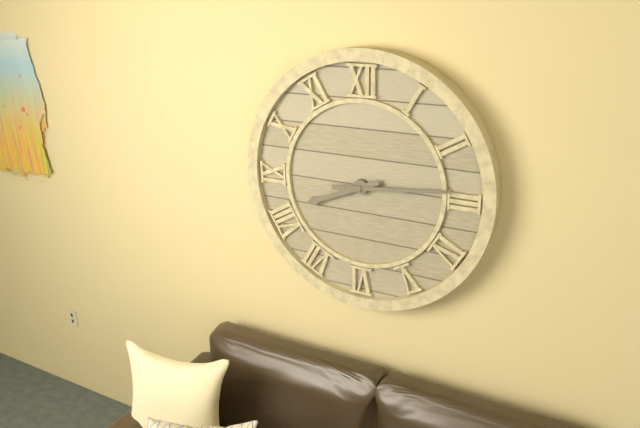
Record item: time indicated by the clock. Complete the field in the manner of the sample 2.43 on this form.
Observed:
8.14
